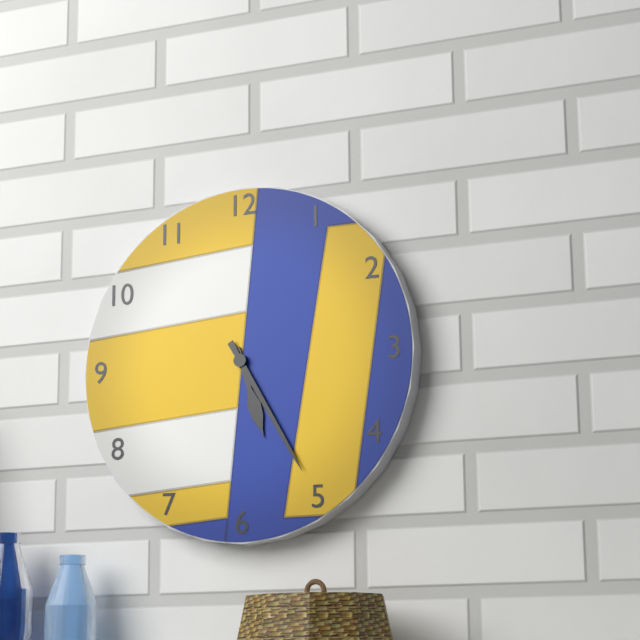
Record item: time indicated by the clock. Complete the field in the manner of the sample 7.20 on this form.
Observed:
5.25
